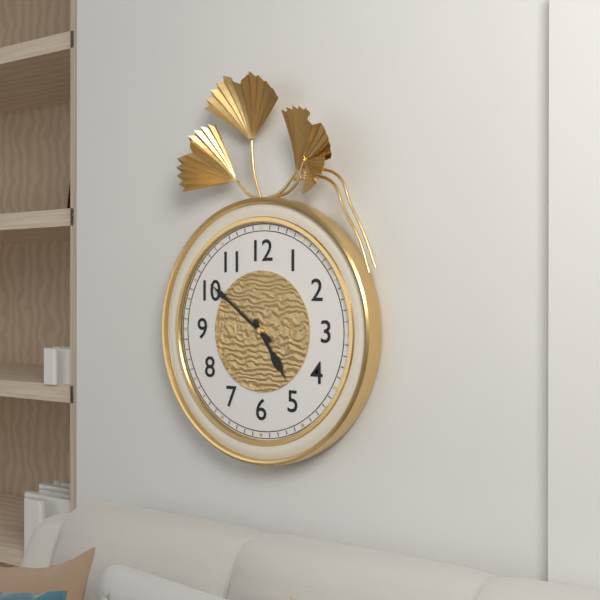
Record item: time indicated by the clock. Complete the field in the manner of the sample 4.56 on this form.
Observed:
4.51
